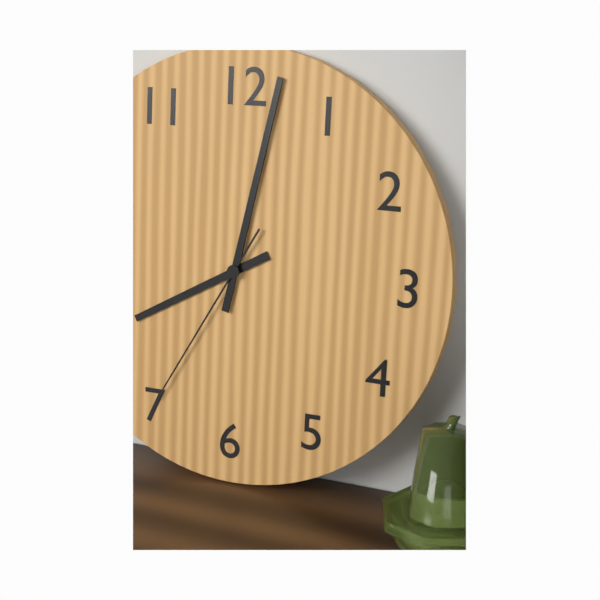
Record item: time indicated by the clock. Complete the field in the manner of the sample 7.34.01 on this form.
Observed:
8.02.35
